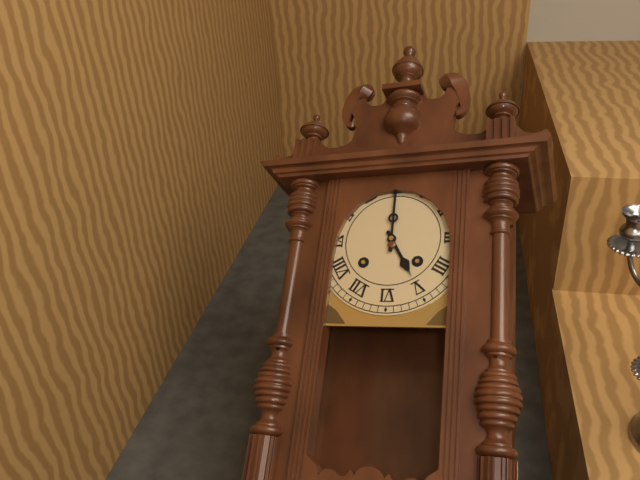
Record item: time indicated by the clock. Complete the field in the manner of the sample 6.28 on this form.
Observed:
5.00
